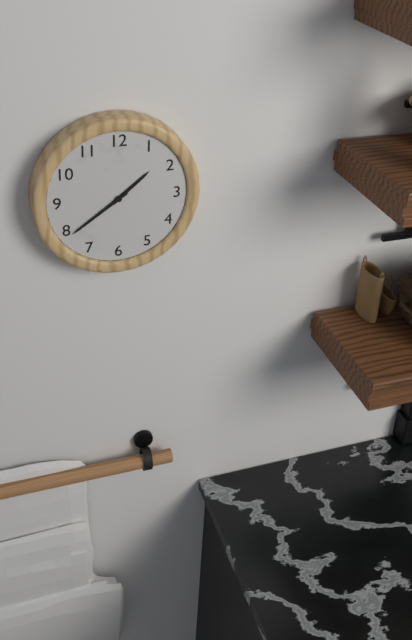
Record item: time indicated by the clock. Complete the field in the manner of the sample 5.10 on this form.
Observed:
1.39
